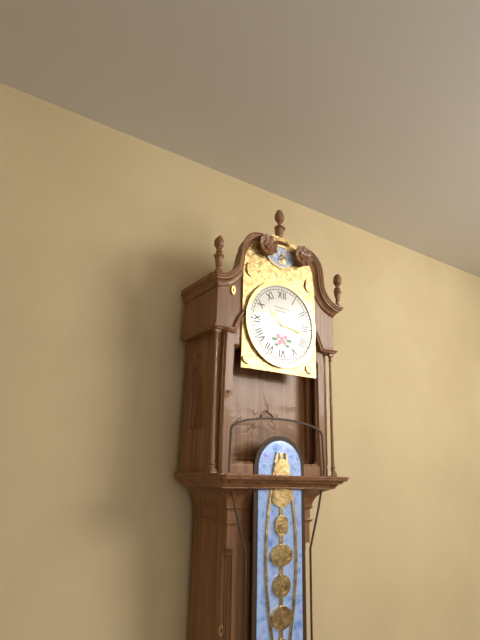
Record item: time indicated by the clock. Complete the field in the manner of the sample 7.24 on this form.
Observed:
10.17
